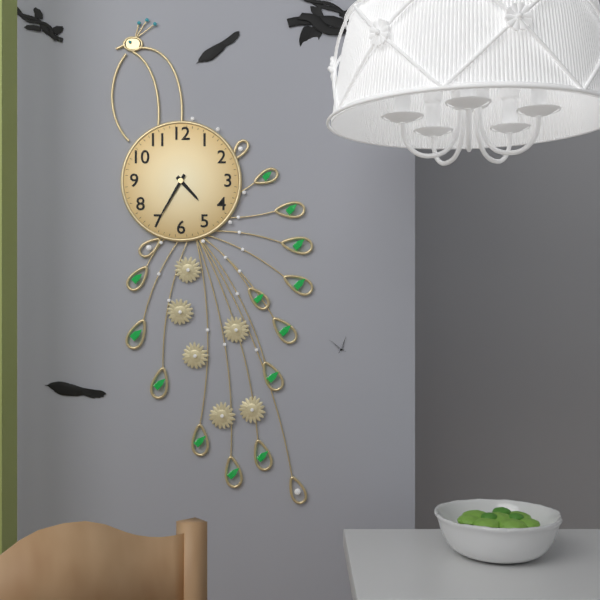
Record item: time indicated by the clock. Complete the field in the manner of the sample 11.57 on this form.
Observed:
4.35
